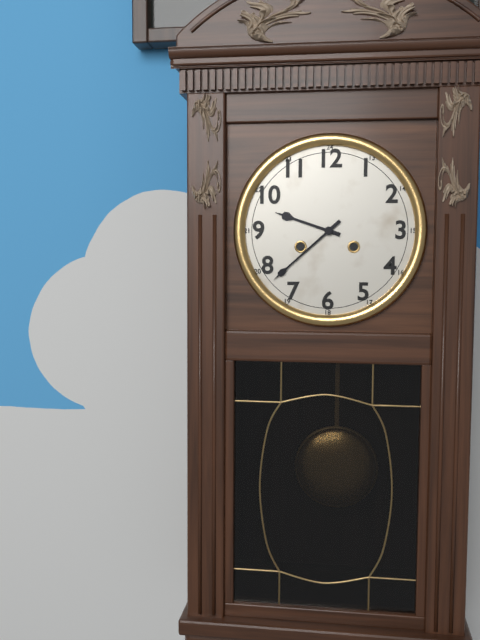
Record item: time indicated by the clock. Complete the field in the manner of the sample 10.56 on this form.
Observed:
9.38
